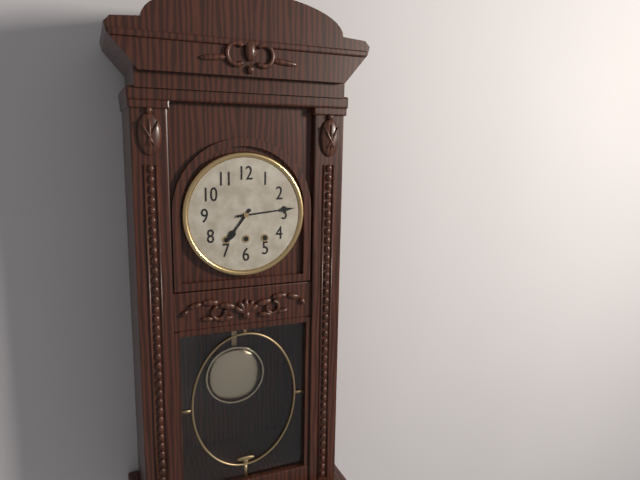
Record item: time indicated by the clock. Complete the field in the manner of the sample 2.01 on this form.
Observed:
7.14
